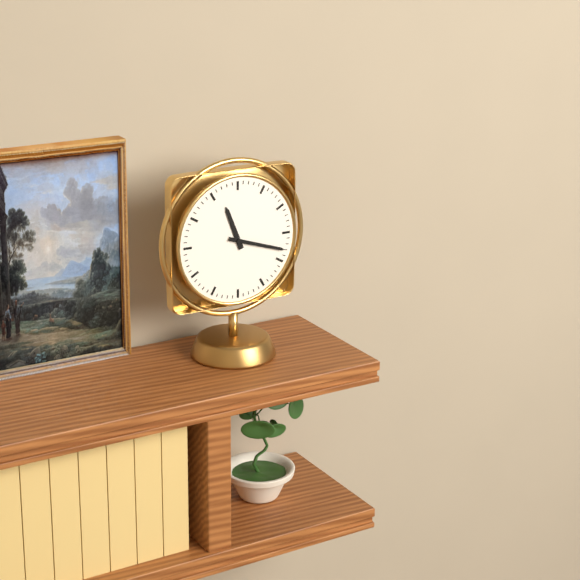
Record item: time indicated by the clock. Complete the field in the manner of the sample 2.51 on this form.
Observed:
11.18
